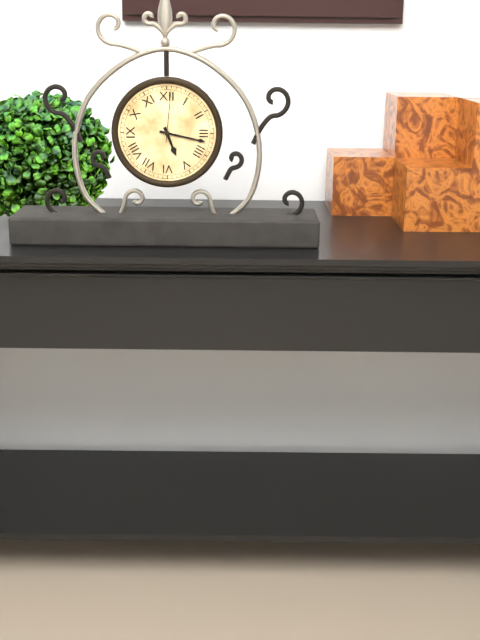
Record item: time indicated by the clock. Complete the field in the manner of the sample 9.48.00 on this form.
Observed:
5.17.01
